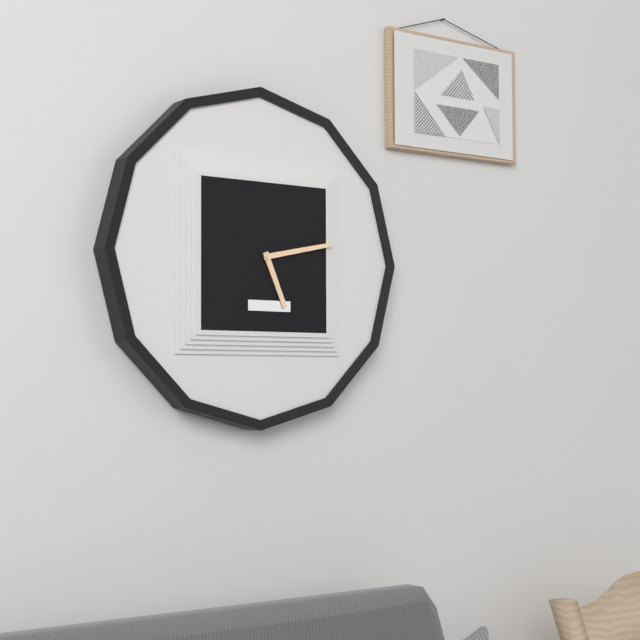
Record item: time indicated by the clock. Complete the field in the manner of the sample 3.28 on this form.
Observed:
5.13
